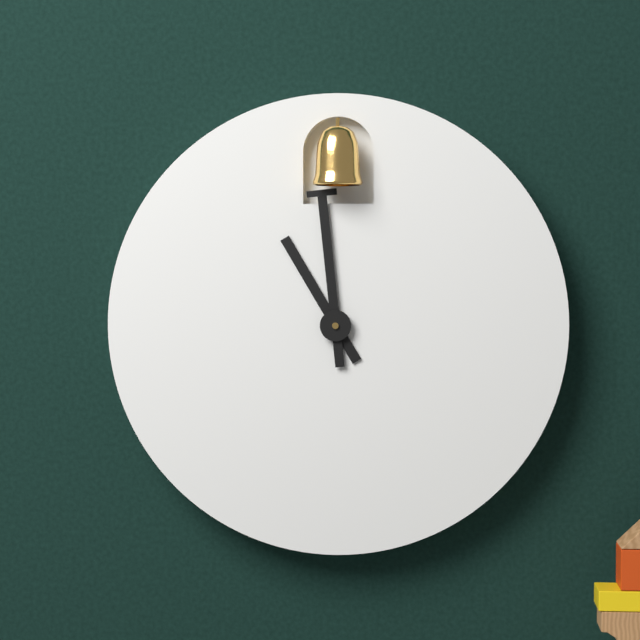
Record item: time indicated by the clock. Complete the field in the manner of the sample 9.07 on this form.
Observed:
10.59
